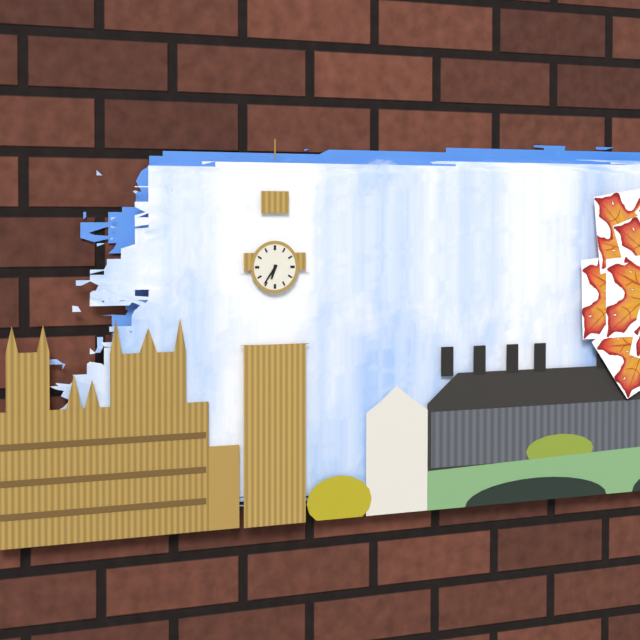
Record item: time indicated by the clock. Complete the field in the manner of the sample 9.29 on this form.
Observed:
6.36
